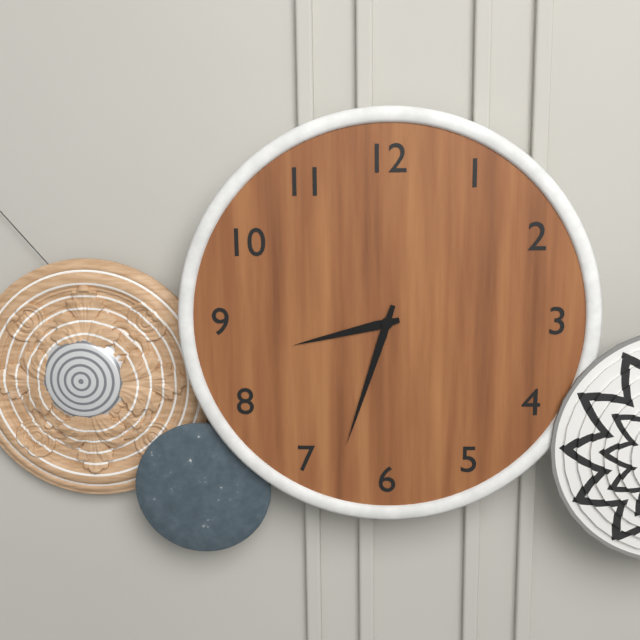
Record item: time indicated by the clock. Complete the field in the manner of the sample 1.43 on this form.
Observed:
8.33
